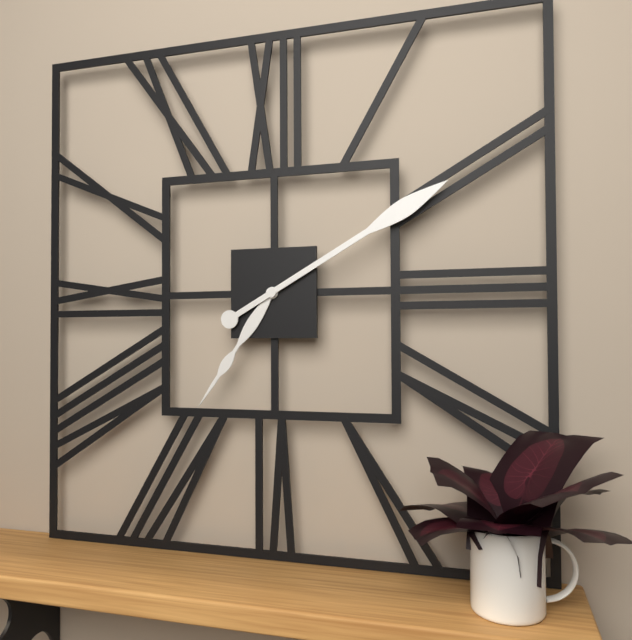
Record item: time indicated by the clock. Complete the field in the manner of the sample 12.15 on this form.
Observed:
7.10
